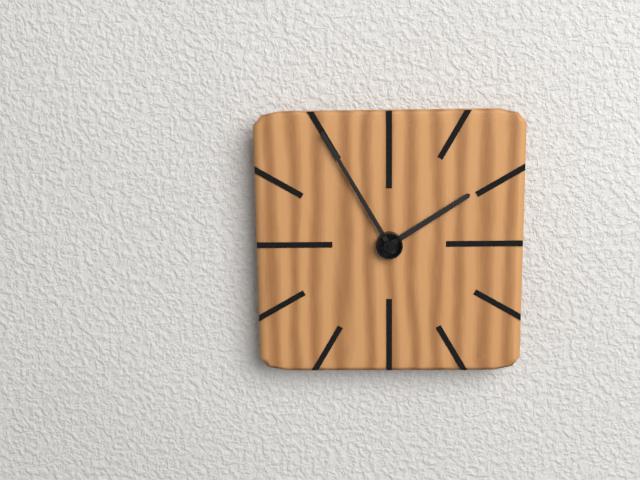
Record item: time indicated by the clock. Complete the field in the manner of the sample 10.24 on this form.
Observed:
1.55
